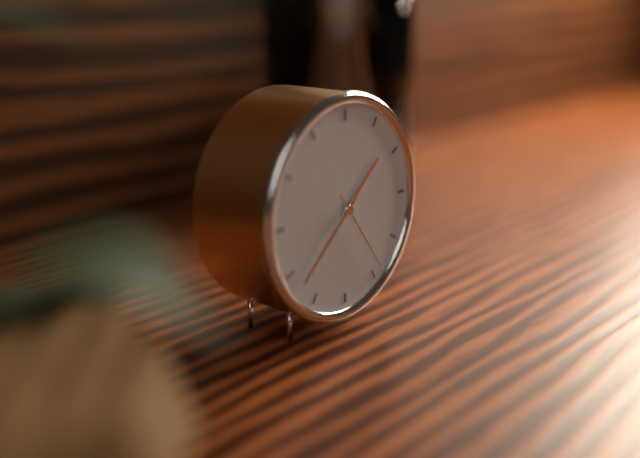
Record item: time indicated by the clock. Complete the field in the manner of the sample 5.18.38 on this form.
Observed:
1.38.24
